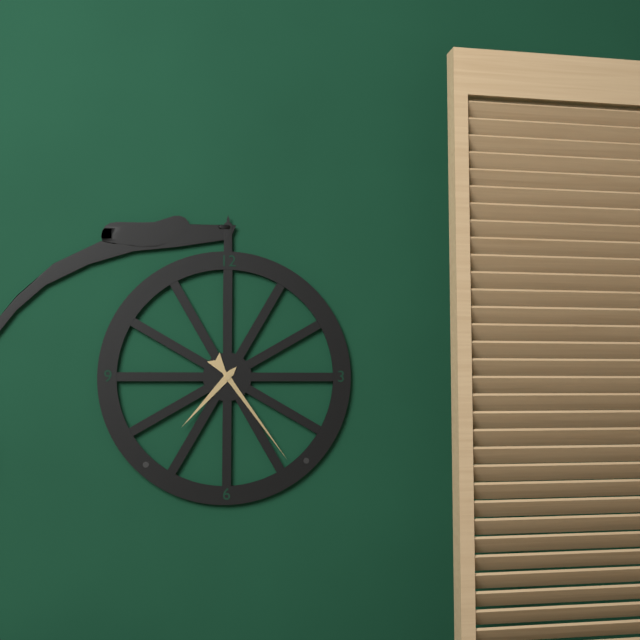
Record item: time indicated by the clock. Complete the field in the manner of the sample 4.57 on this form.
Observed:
7.24
